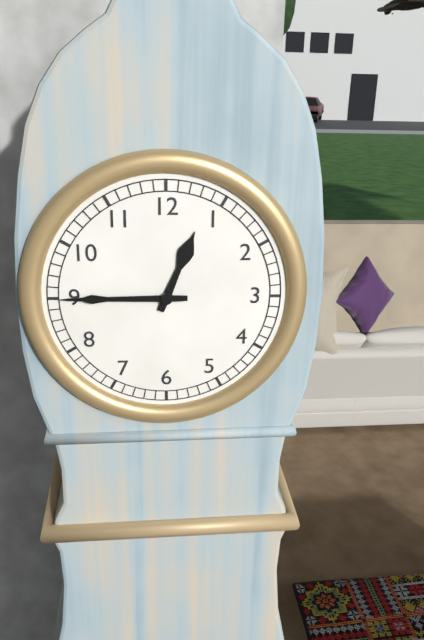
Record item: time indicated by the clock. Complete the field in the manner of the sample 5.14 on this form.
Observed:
12.45
